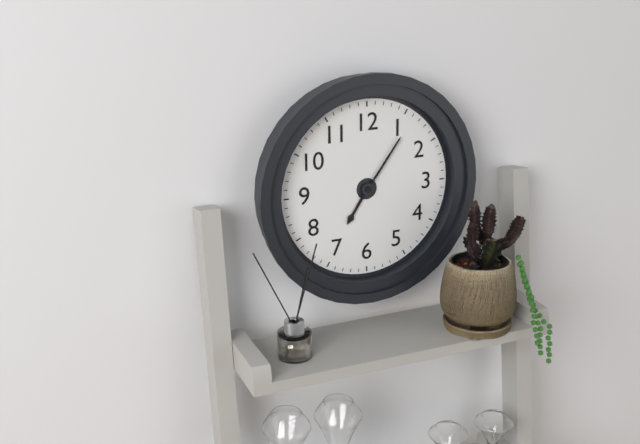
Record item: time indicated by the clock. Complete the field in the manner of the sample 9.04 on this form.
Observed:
7.06
